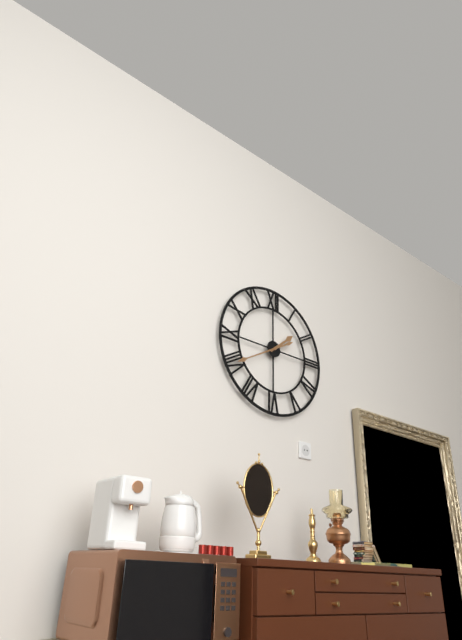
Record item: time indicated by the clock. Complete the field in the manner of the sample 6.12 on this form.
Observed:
1.40
